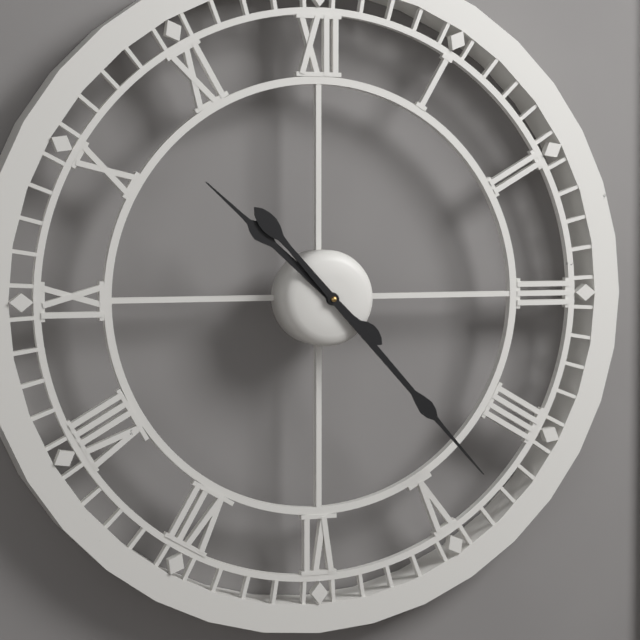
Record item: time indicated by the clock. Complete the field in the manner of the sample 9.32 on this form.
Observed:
10.23
